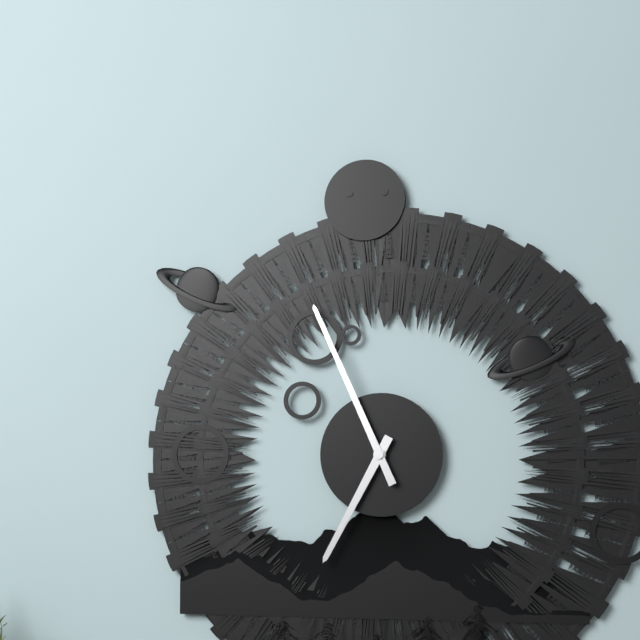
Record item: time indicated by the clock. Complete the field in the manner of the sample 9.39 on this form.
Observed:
6.56
